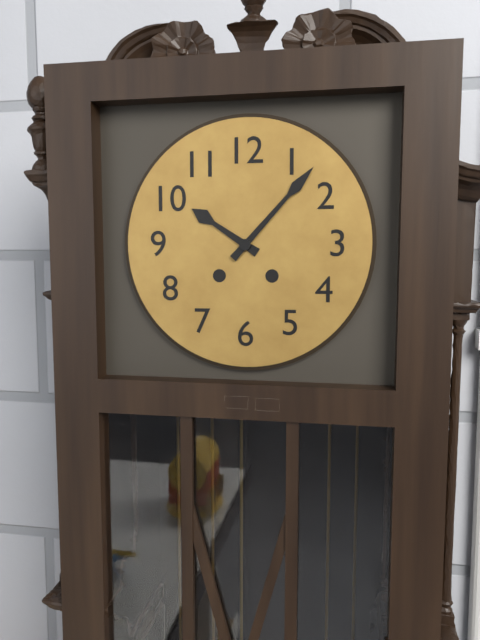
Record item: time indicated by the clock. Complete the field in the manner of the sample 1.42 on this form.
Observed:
10.07
